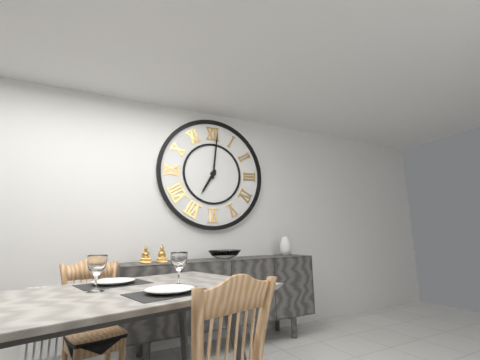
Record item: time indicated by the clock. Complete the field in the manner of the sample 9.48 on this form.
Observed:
7.01
